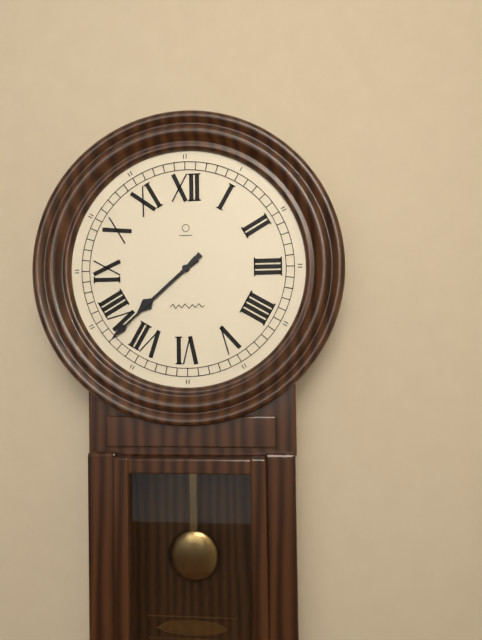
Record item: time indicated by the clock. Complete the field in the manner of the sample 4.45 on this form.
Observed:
7.38
